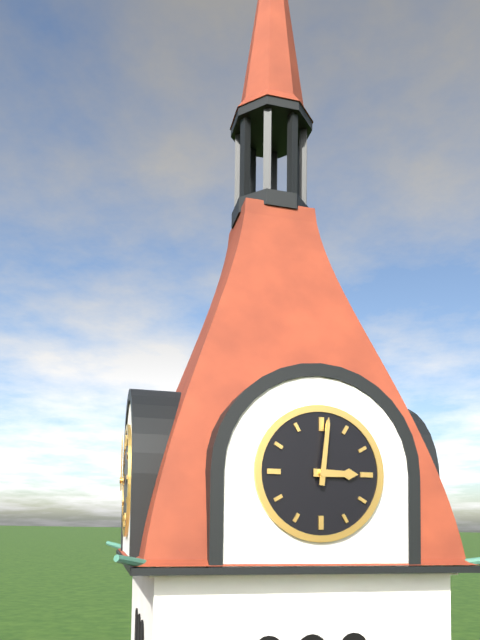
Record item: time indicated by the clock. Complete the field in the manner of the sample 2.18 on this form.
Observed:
3.01
